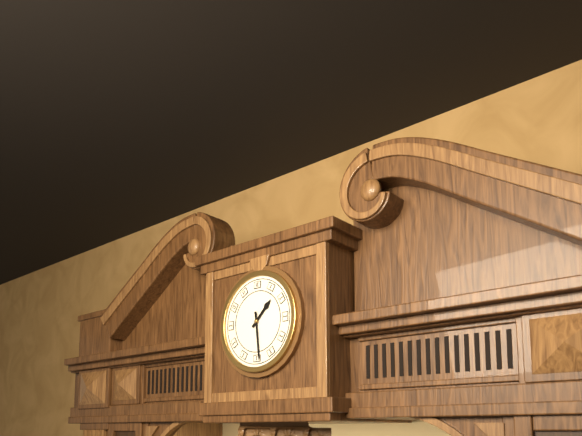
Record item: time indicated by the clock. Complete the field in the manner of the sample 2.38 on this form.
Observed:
1.29
